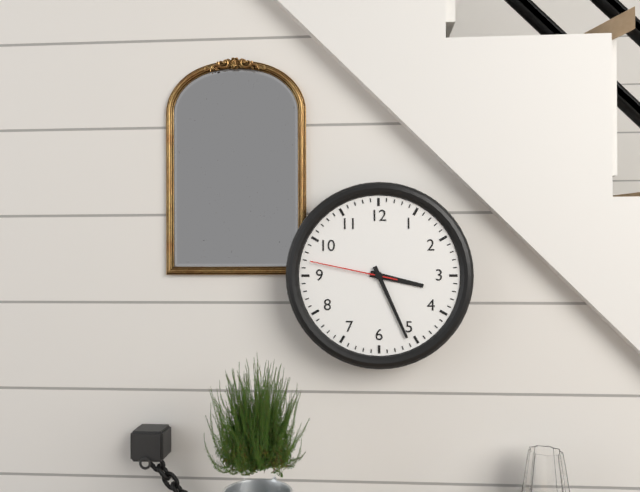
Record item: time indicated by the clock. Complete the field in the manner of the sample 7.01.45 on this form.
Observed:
3.26.47
